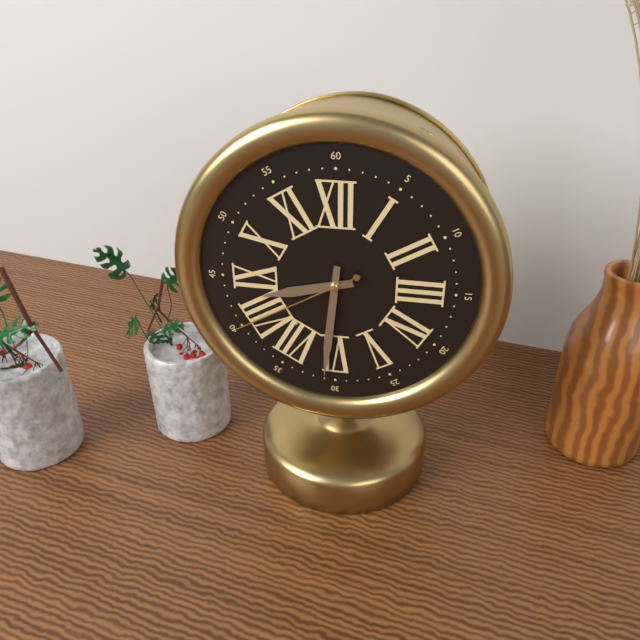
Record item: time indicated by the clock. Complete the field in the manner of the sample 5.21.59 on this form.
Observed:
8.31.40
